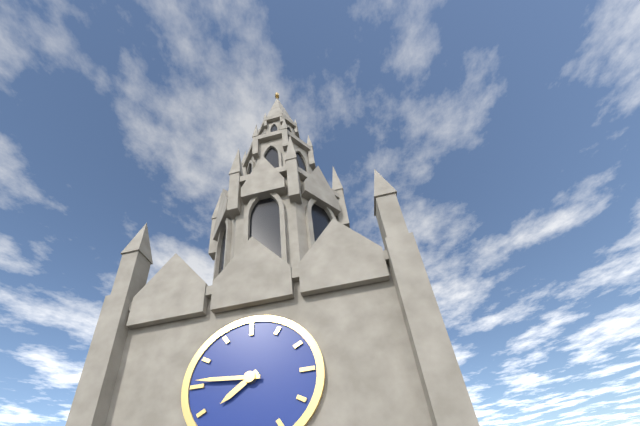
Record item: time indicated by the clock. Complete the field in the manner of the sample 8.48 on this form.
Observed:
7.46
